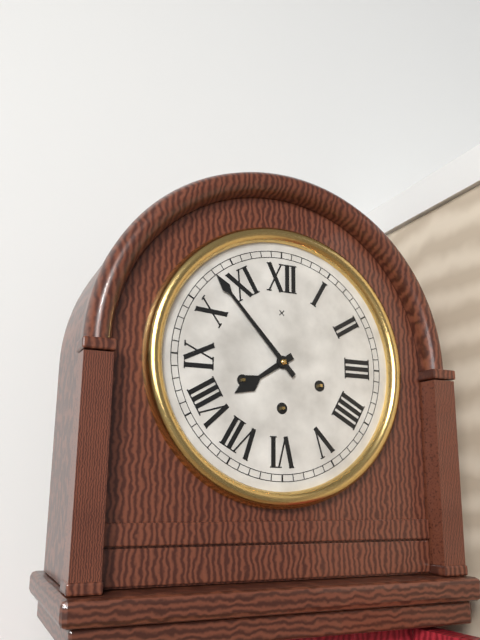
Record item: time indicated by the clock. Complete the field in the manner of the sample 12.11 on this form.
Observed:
7.53
